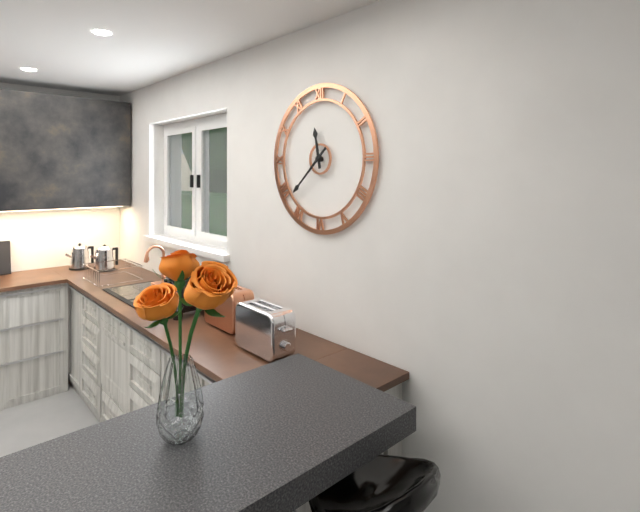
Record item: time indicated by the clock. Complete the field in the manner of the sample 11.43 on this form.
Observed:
11.38
